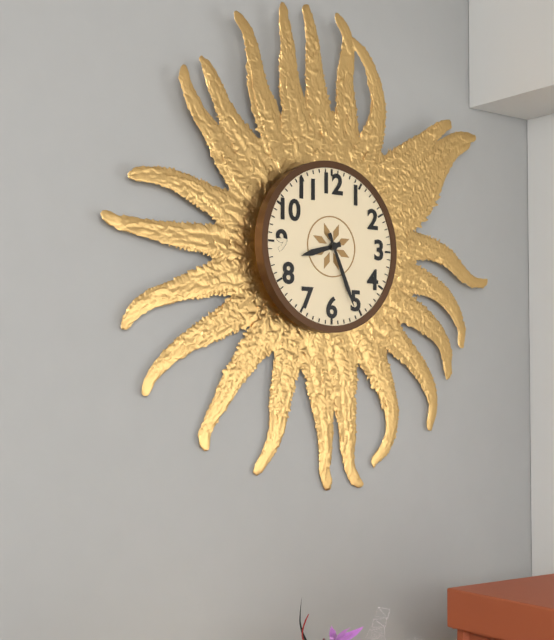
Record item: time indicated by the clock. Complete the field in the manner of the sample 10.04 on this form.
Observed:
8.26
